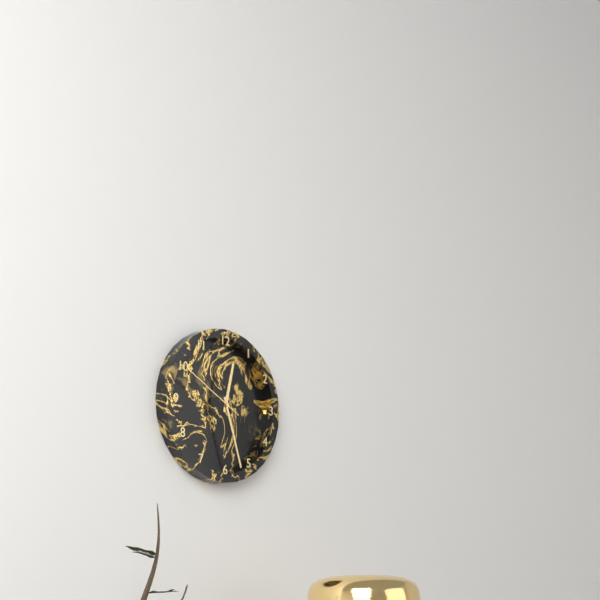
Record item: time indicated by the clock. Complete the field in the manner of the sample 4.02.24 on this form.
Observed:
12.27.50
